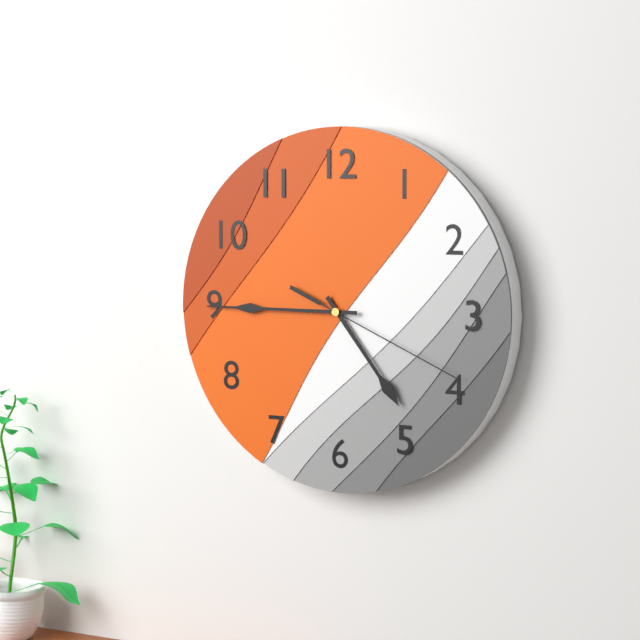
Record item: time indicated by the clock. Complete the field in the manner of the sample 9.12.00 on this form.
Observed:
4.45.19
